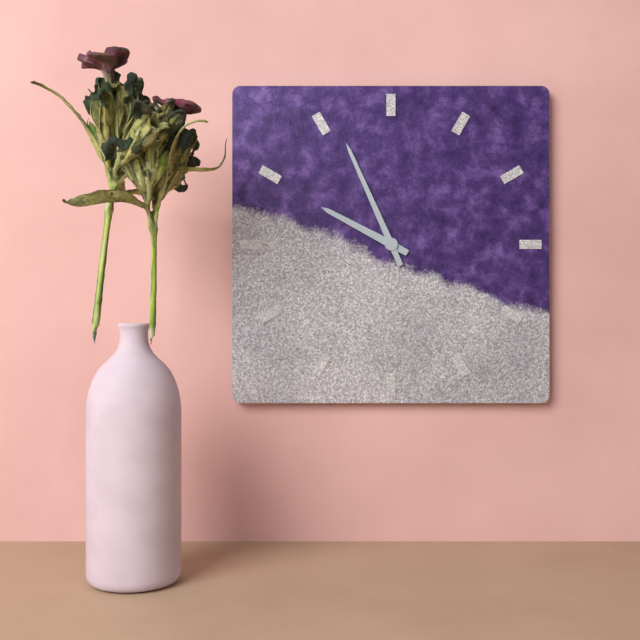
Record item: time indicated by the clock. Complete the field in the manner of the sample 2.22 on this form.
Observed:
9.56
